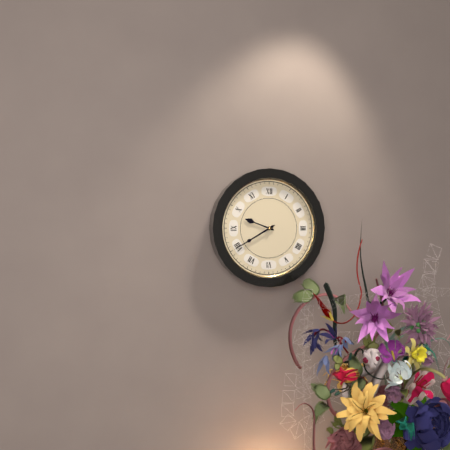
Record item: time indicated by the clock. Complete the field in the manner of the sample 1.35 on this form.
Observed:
9.40
